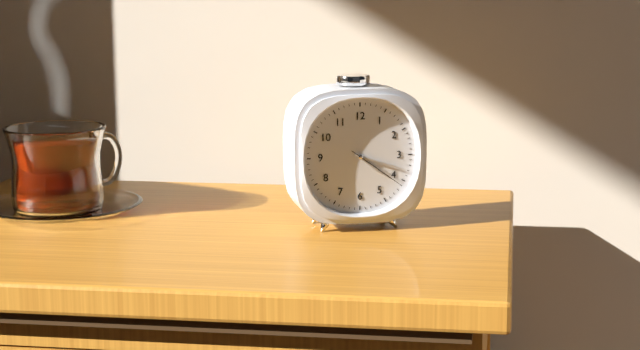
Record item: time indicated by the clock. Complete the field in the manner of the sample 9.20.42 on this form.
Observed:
4.18.21
